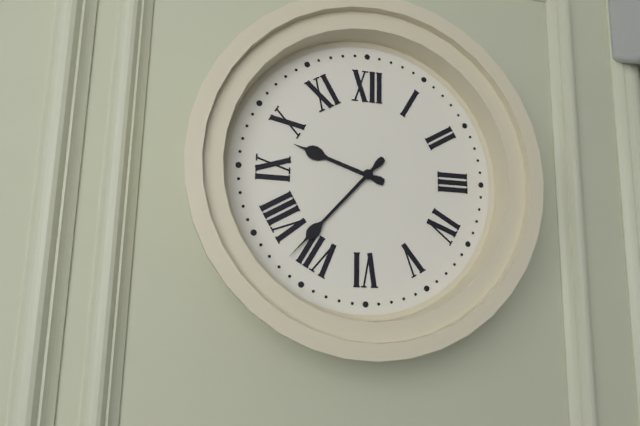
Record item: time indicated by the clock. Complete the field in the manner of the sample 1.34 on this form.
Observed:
9.37
